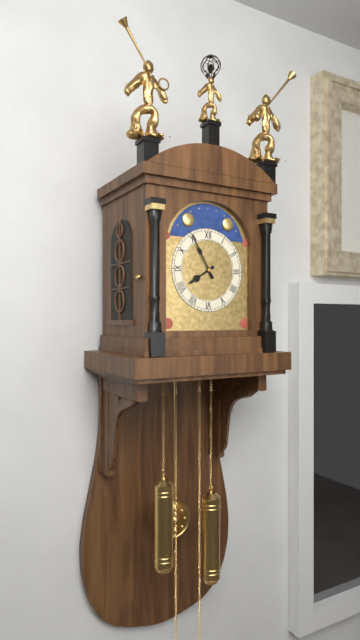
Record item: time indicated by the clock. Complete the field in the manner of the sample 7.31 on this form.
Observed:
7.55
